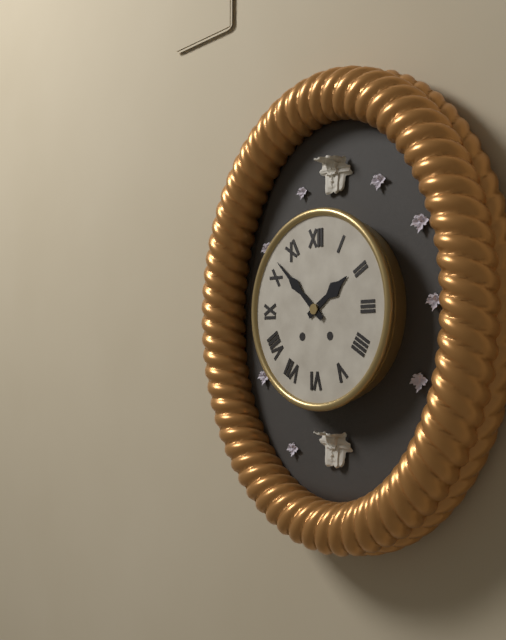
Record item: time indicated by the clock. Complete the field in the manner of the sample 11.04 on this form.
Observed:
1.52
